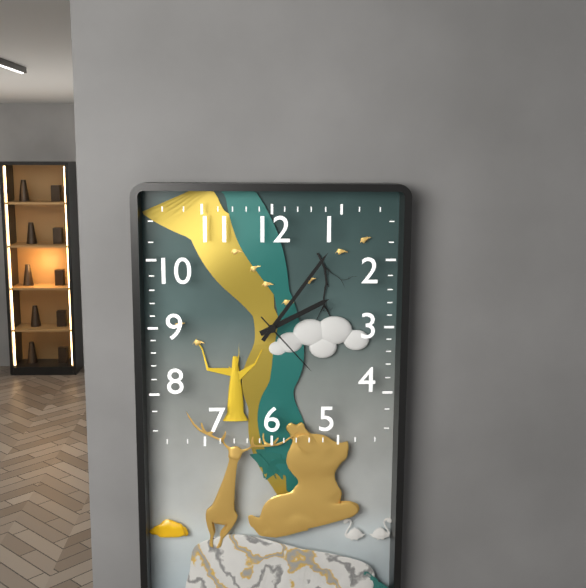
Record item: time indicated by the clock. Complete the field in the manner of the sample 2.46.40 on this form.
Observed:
2.06.23
